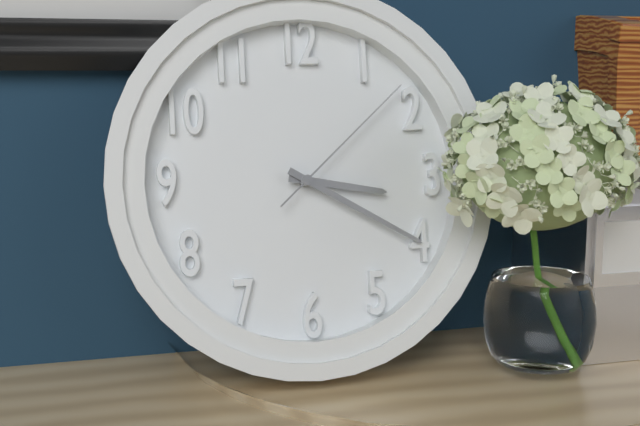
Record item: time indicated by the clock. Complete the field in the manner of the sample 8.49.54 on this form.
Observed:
3.20.08
